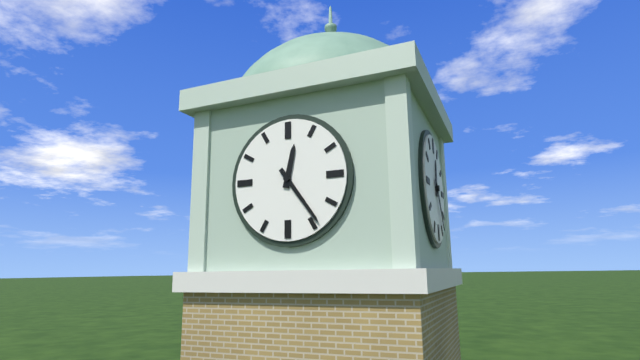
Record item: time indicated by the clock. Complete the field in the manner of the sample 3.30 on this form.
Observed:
12.24
